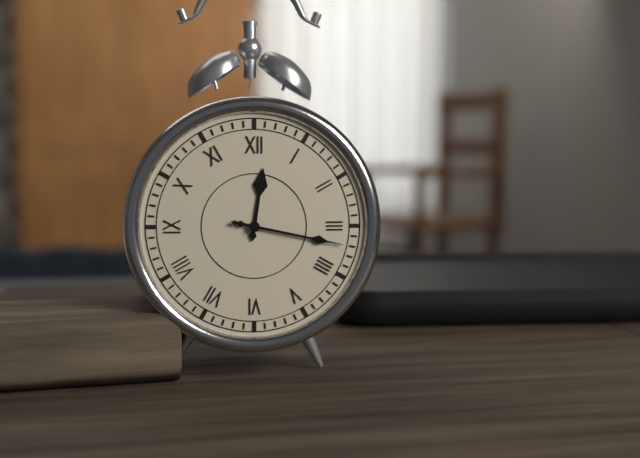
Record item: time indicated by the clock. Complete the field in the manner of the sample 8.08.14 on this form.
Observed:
12.17.17
